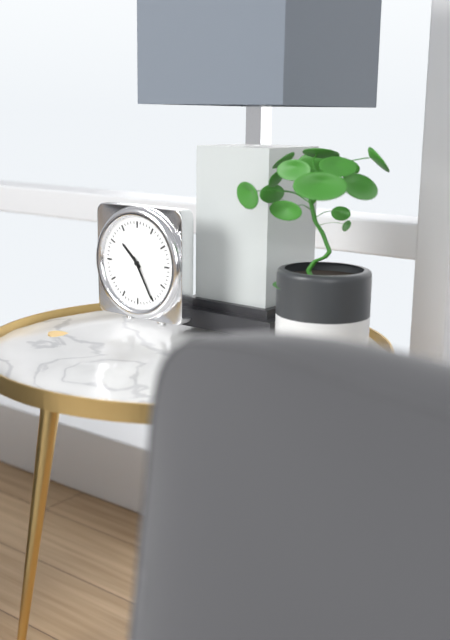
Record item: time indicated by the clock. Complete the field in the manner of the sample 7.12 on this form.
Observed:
10.25
